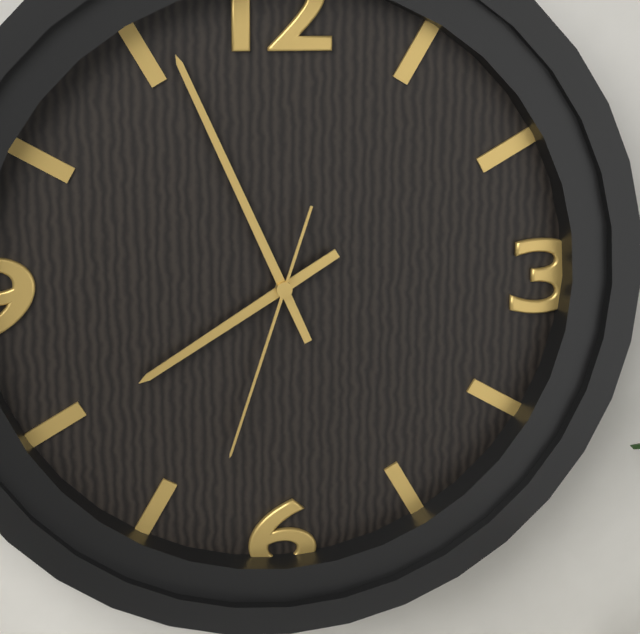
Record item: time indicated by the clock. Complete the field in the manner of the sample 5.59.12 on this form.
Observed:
7.56.33
